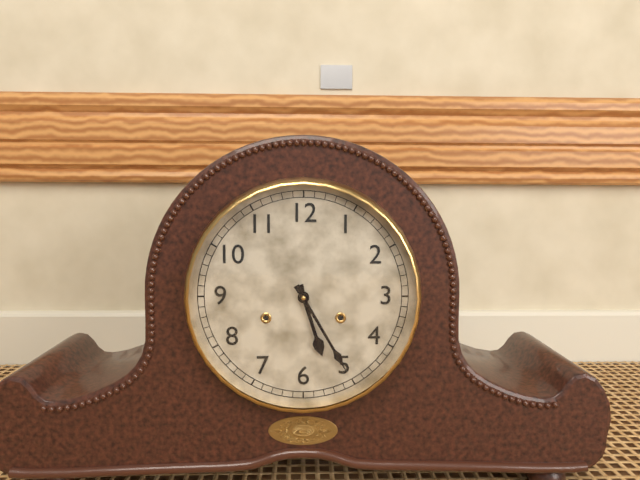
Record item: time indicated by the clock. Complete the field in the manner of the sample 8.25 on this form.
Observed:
5.25
